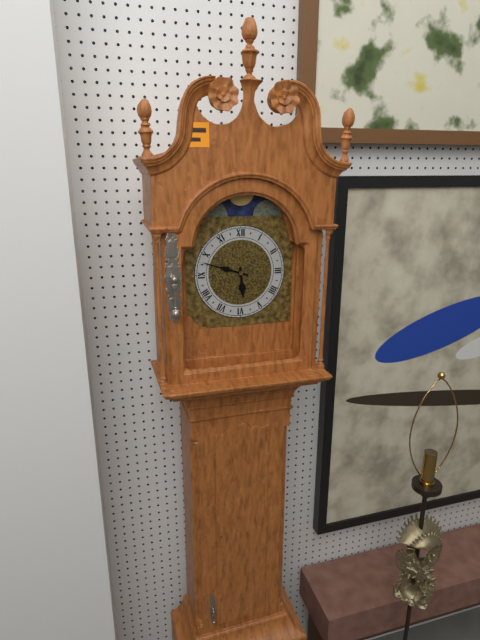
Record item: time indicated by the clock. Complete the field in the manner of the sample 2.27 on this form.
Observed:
5.48
